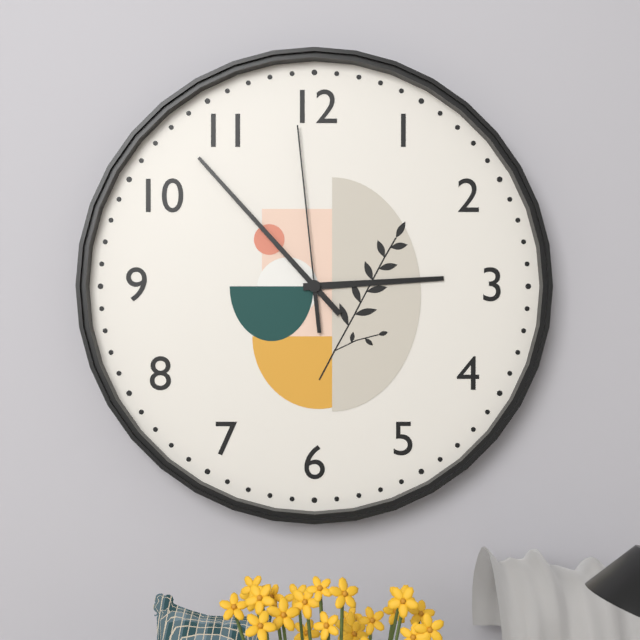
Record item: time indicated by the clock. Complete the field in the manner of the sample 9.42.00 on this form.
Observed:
2.53.59
